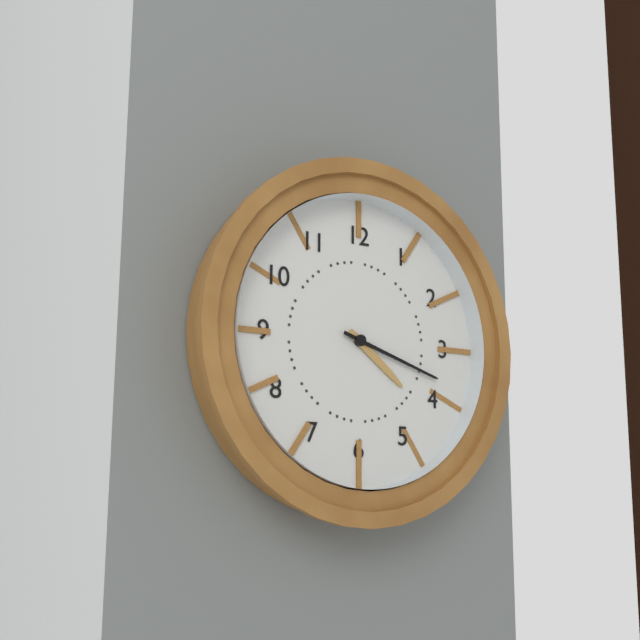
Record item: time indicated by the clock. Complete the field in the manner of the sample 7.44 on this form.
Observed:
4.18
